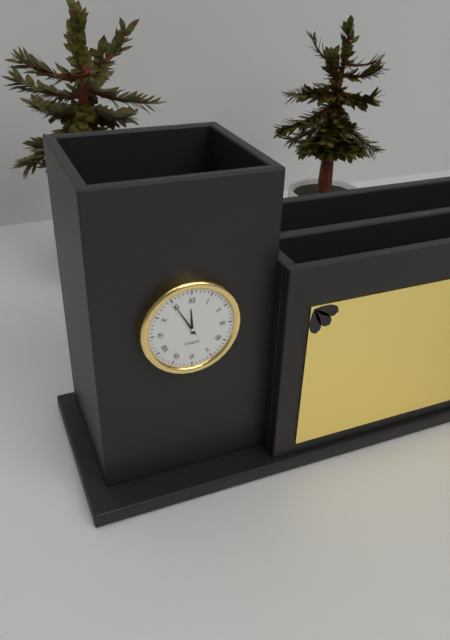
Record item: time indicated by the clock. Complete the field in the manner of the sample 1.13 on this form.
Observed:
11.55
